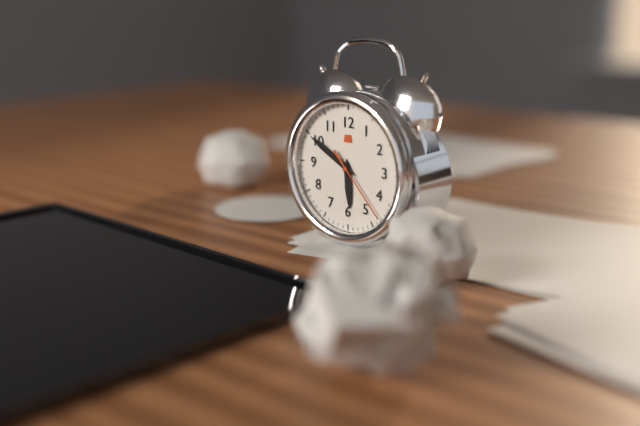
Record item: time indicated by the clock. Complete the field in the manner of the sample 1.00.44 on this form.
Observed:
5.50.23
